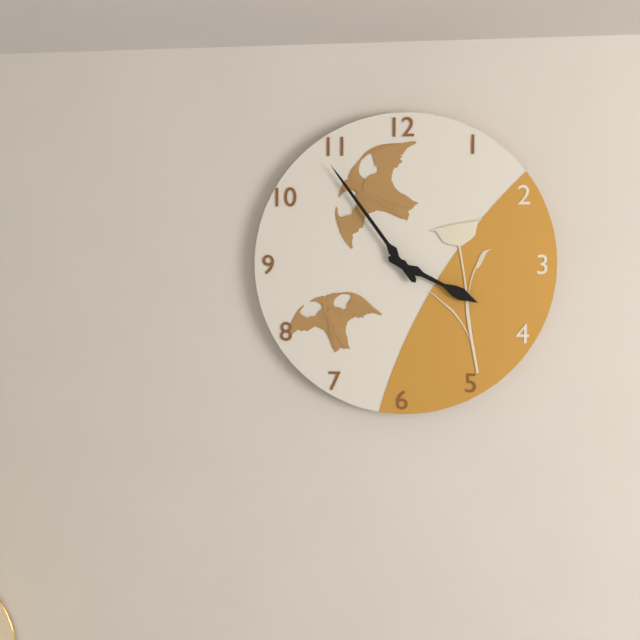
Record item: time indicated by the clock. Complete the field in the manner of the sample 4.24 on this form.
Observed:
3.54
